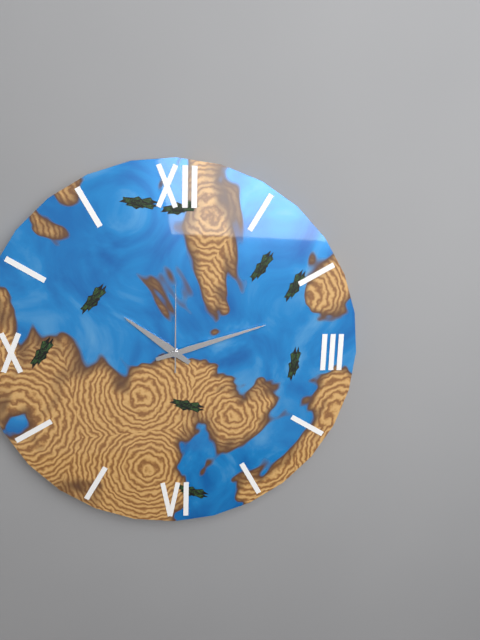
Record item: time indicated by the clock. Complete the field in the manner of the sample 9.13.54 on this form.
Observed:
10.12.00
